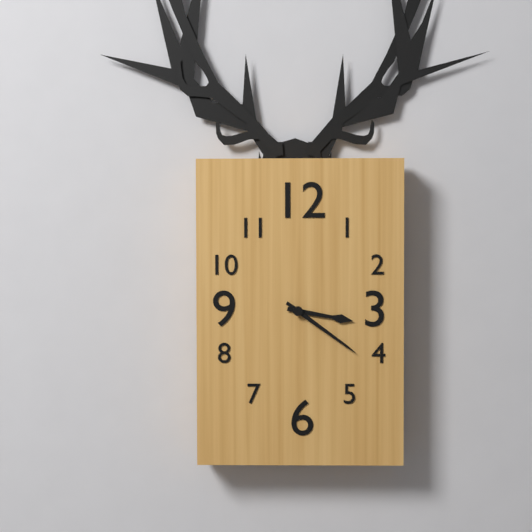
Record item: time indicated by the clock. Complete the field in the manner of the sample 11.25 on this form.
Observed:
3.21
